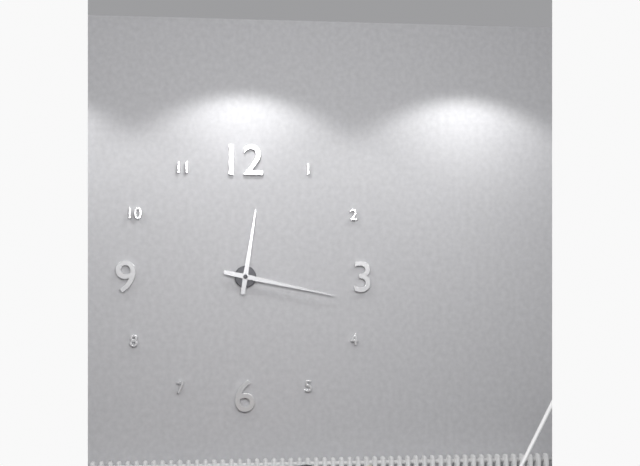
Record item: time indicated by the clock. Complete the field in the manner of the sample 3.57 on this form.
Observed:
12.17
